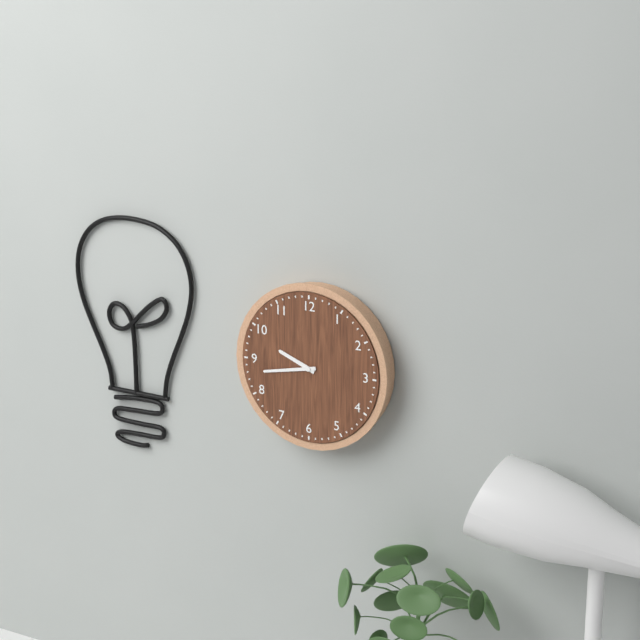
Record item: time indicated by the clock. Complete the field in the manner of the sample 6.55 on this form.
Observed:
9.43
